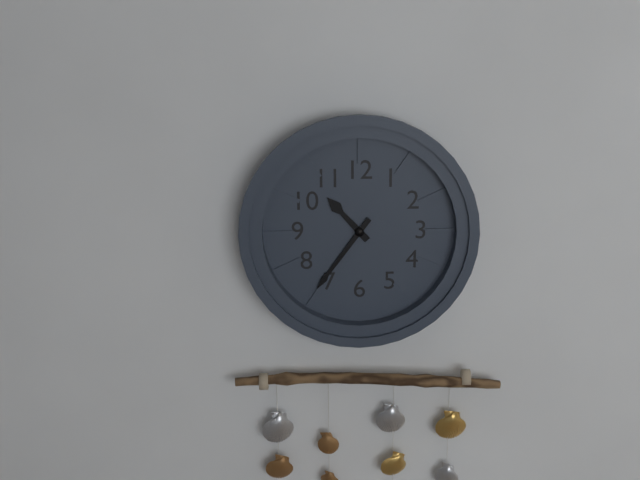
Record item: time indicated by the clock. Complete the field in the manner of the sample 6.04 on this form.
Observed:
10.36
